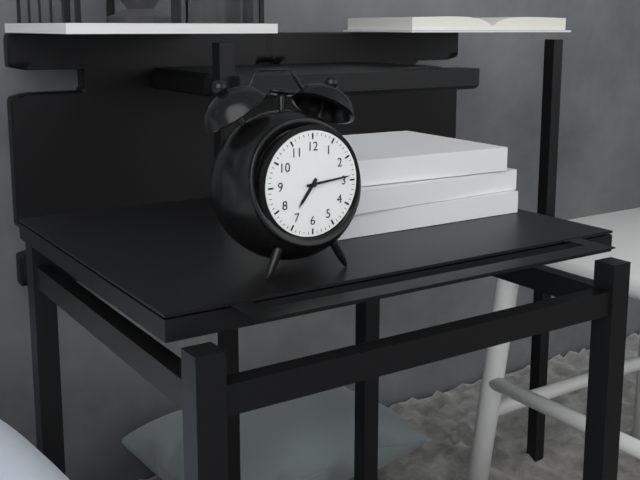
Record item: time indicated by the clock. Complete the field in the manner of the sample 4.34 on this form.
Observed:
7.14
